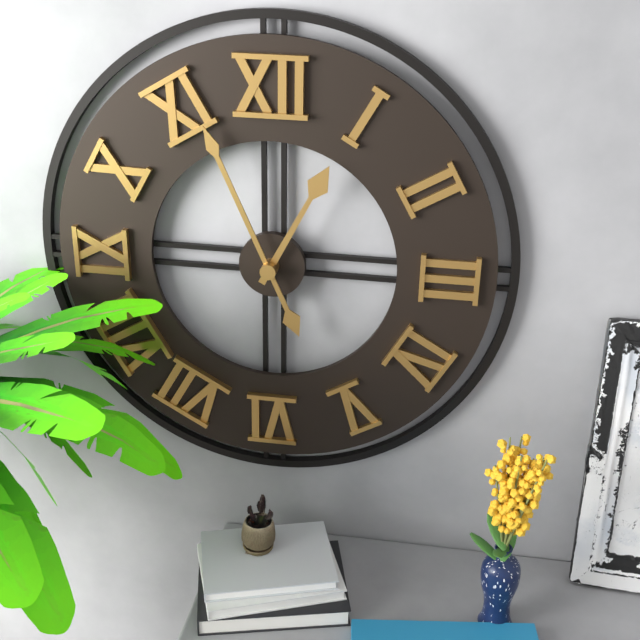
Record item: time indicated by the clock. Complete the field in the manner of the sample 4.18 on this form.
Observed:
12.56
